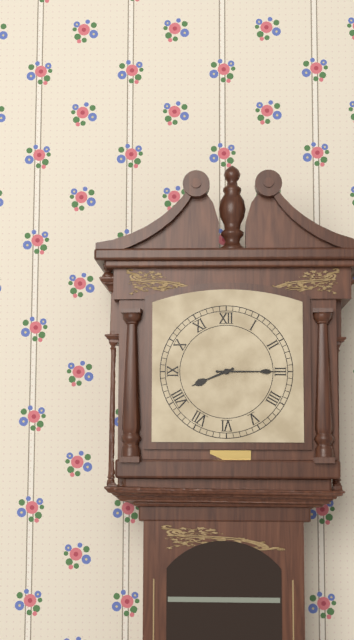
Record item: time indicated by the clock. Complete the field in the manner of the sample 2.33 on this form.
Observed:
8.15
